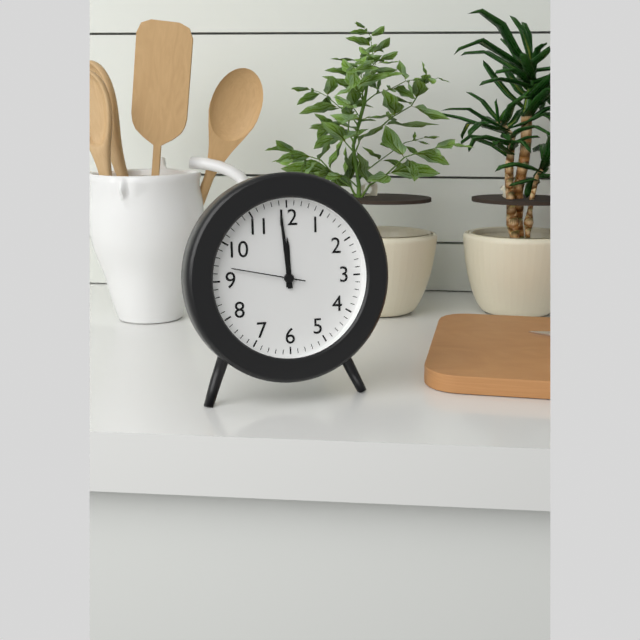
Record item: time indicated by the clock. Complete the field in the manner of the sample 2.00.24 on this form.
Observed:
11.59.47
